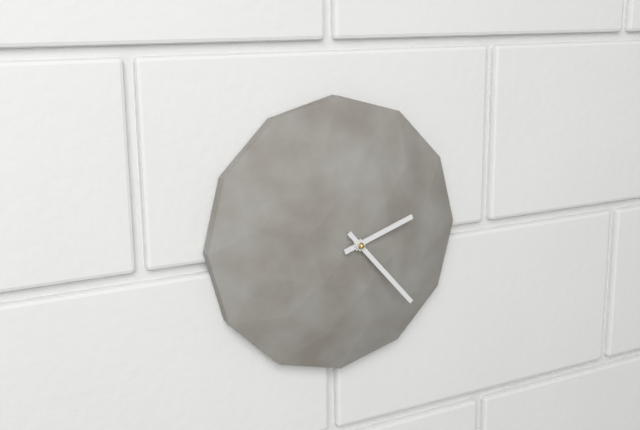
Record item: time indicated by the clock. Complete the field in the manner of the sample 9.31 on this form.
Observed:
2.23
